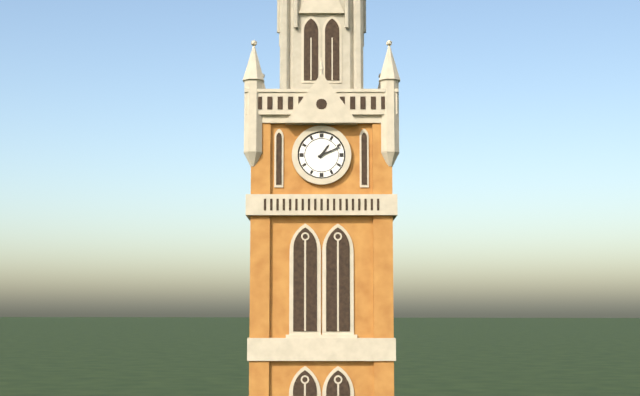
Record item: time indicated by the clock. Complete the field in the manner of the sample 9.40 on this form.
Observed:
1.11
